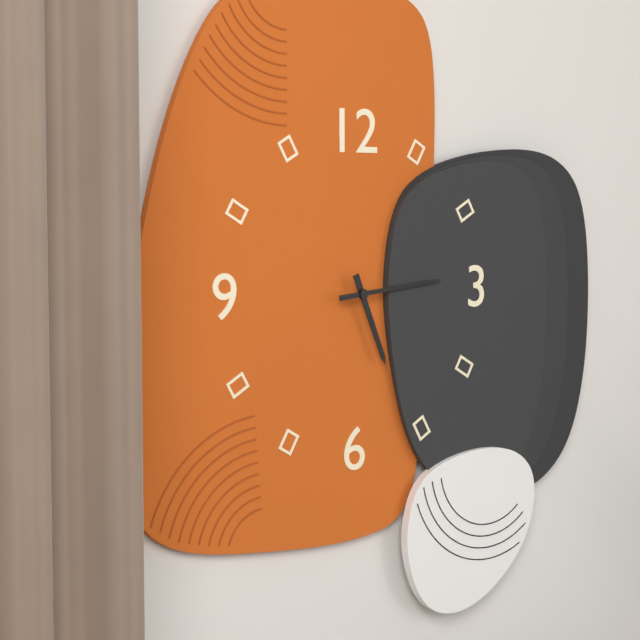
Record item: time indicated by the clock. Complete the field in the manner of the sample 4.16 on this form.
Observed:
5.14
